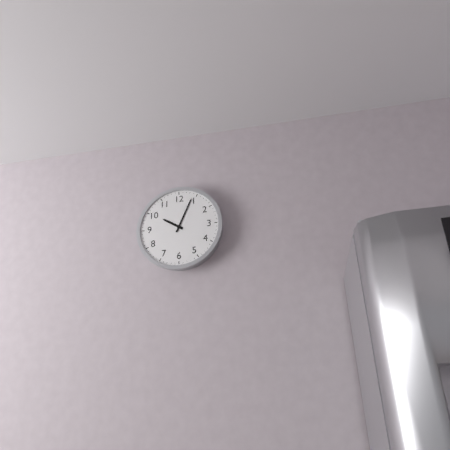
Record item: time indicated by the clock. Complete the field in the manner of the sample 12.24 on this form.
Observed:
10.04
